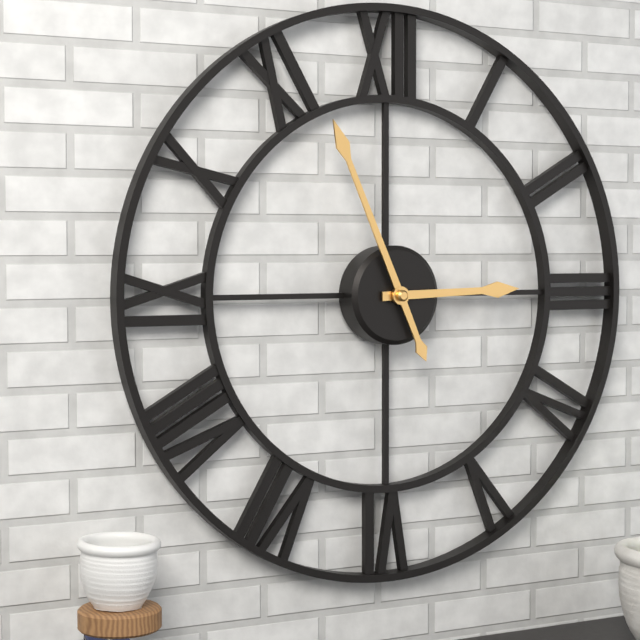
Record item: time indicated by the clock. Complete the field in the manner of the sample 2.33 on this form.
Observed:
2.56
